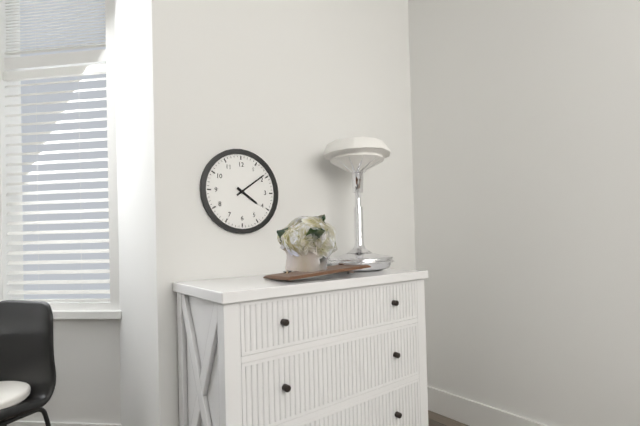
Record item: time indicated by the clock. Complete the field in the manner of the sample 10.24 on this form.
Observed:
4.09
